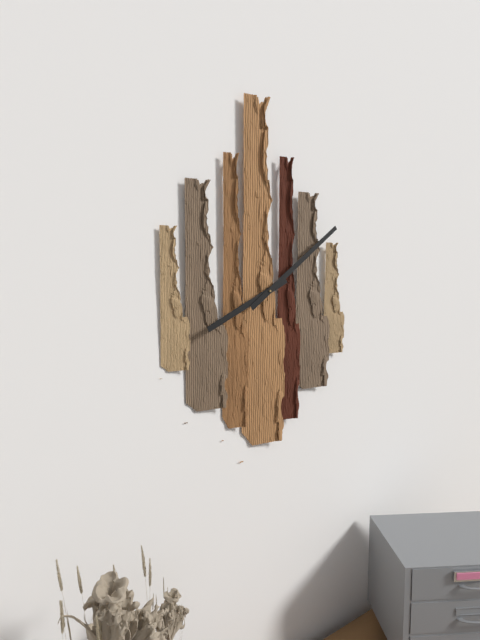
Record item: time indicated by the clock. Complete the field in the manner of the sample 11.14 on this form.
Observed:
8.09
